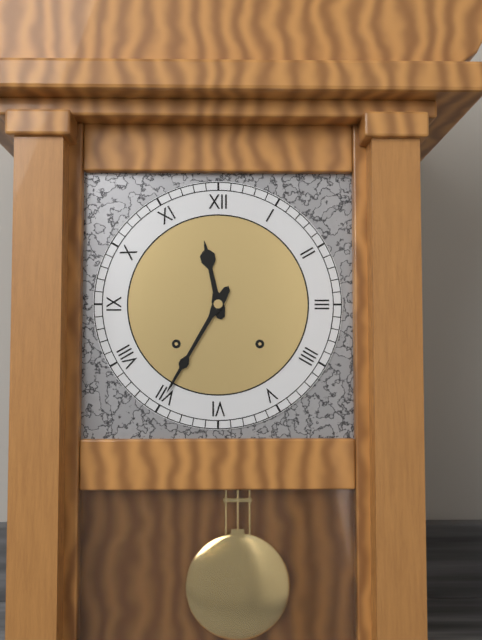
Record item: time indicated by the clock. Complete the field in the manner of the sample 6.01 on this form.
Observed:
11.35
